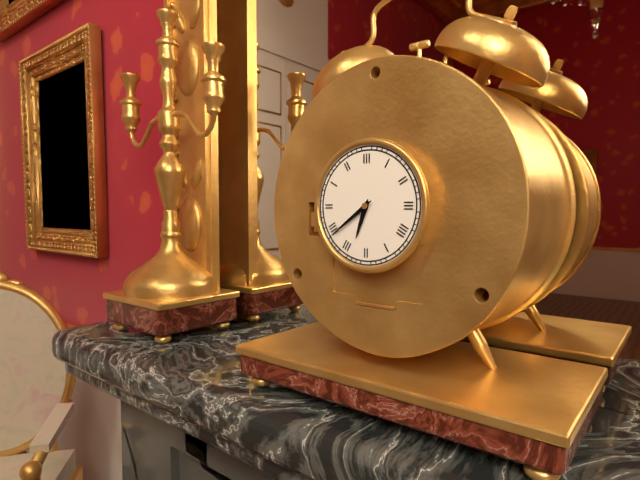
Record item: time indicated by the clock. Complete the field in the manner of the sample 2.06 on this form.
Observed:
6.39
